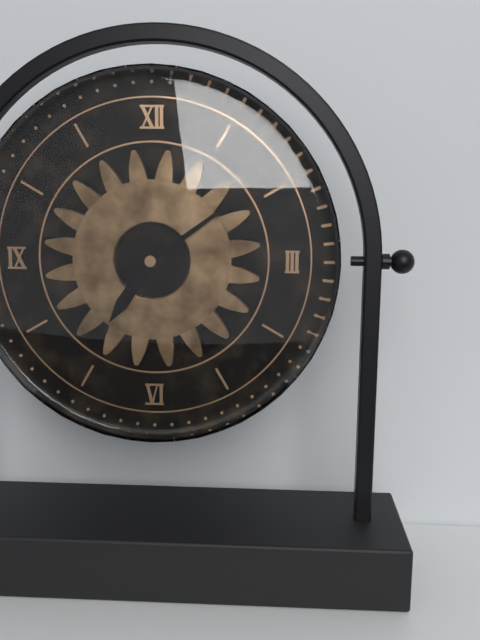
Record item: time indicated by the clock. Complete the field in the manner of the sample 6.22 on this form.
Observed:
7.09
